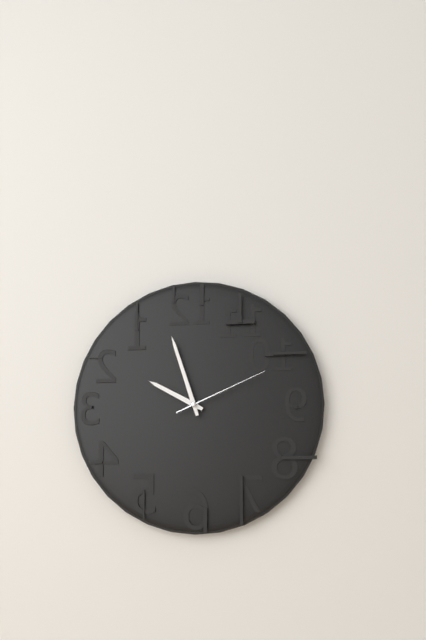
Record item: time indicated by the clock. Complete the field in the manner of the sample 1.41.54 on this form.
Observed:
9.57.11
